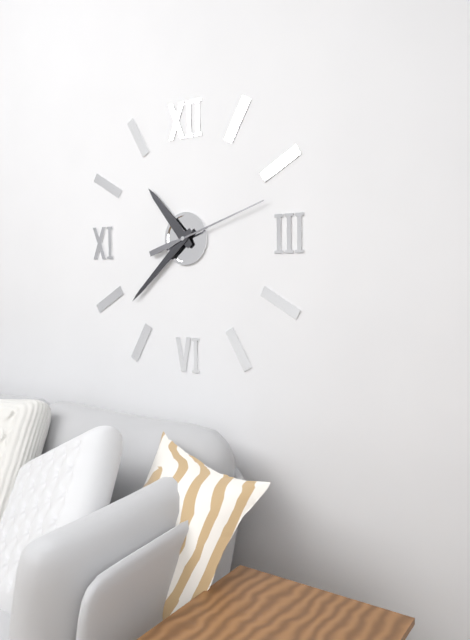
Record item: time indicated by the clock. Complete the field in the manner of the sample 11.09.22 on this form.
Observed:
10.38.12
